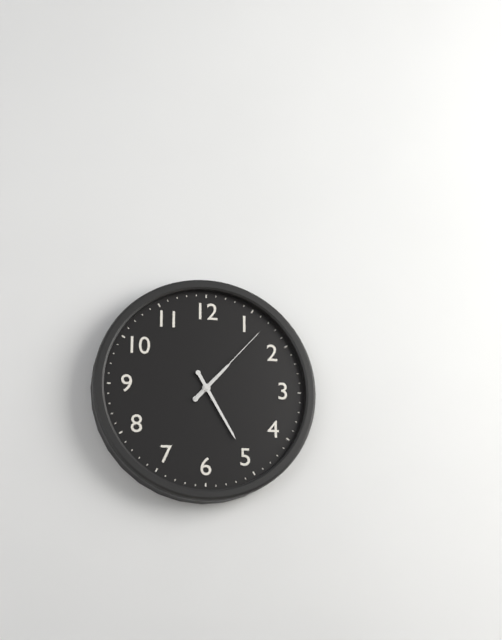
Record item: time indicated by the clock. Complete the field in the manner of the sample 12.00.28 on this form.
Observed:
1.25.07
